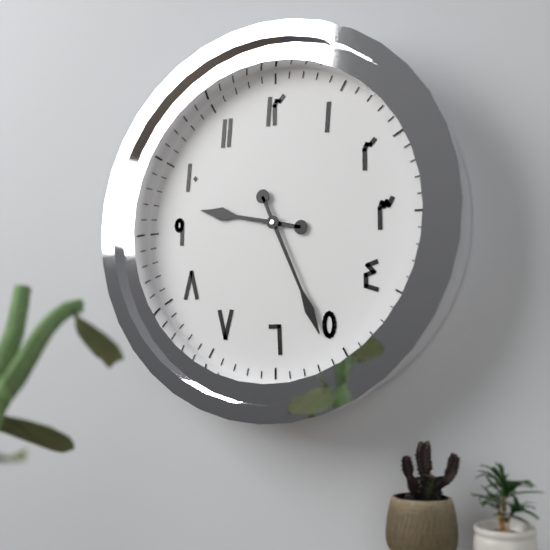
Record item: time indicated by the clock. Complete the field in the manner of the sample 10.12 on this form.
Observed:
9.26
